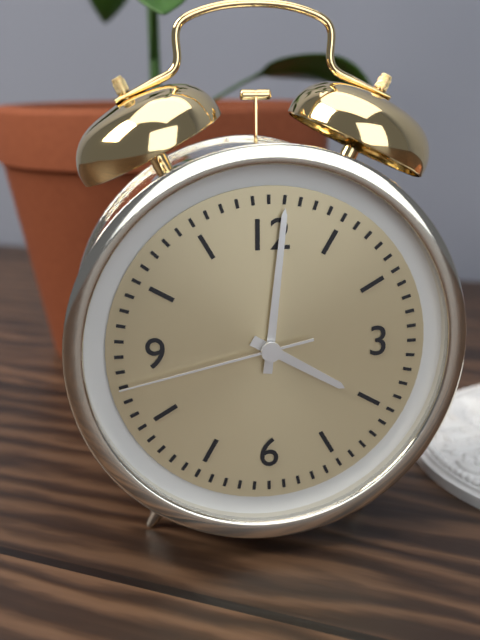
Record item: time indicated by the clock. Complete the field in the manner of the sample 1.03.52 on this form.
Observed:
4.01.43
